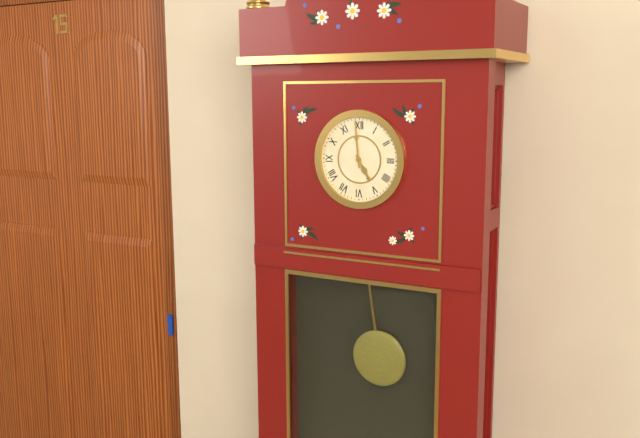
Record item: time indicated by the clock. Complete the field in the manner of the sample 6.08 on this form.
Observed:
4.59
